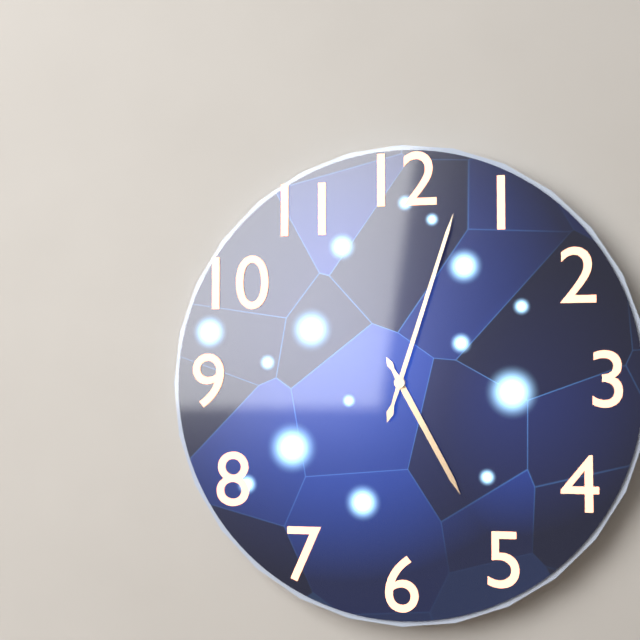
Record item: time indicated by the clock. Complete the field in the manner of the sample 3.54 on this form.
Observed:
5.03
